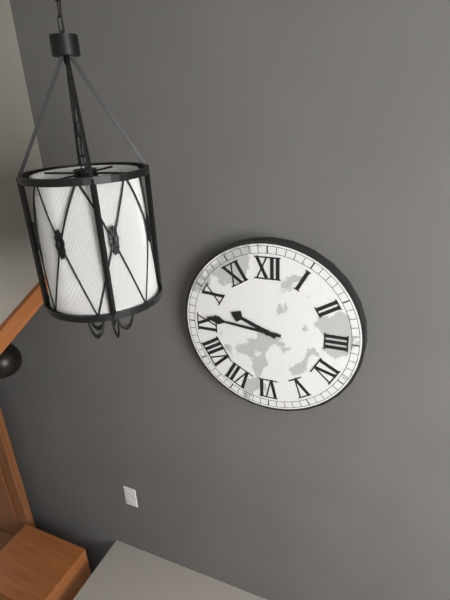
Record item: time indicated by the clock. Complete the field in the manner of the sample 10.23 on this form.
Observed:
9.46
